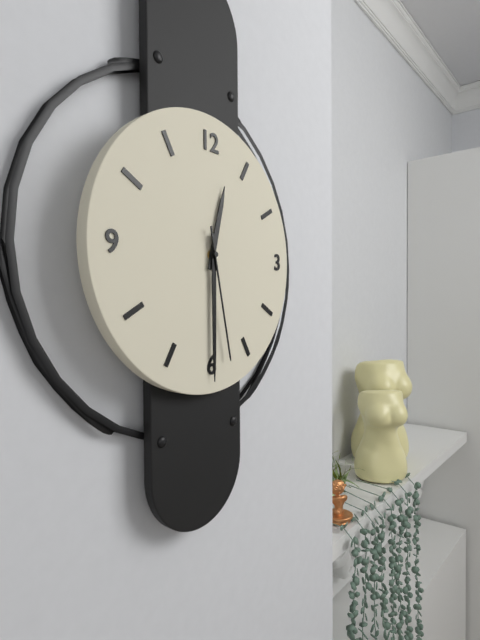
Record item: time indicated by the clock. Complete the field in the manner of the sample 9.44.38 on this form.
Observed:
12.30.28
